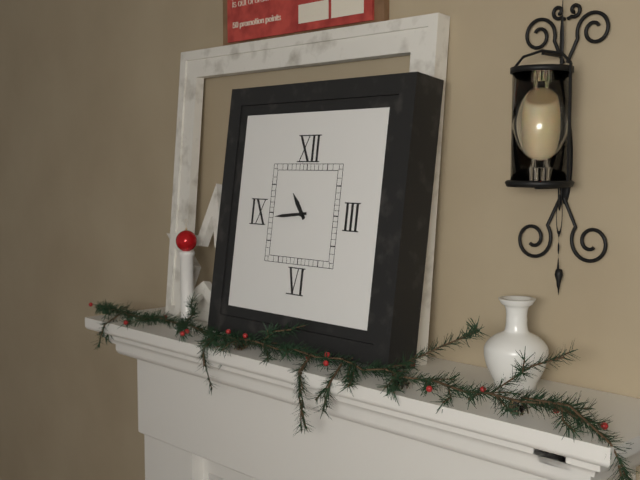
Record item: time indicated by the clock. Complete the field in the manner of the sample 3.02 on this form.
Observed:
10.44
